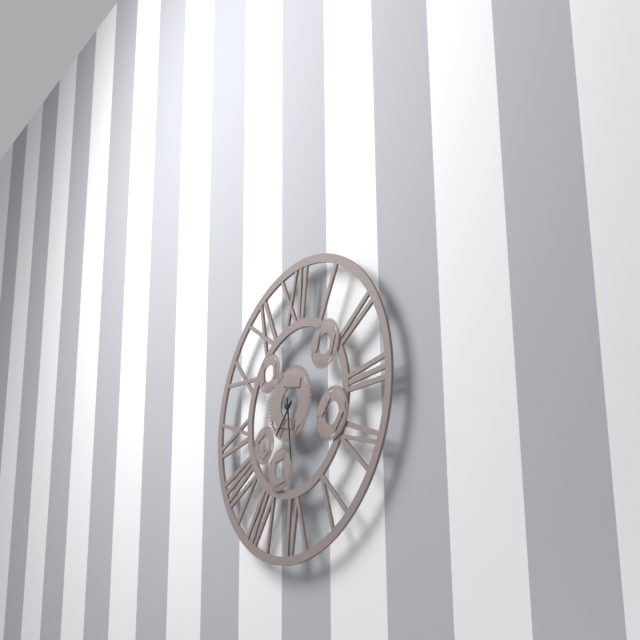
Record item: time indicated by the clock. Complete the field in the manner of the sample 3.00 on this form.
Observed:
7.29
